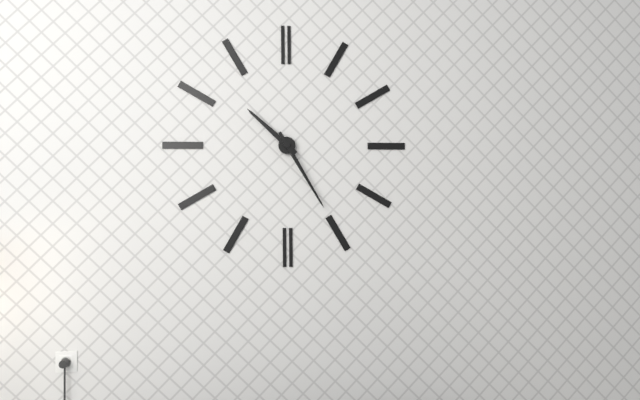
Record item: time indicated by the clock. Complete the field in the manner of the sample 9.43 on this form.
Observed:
10.25
